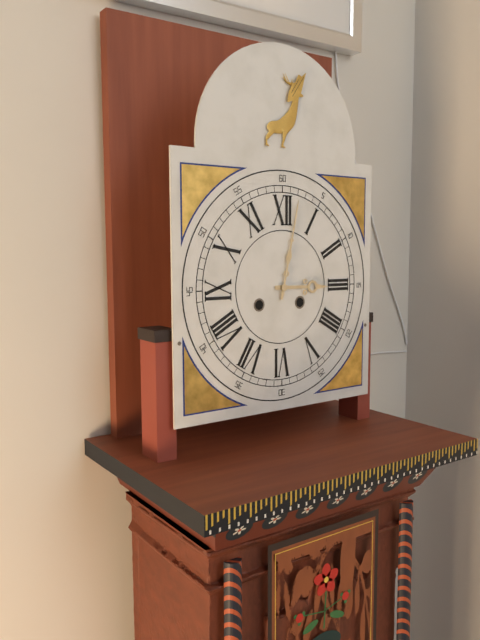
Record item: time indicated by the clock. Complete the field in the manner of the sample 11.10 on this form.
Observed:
3.02
